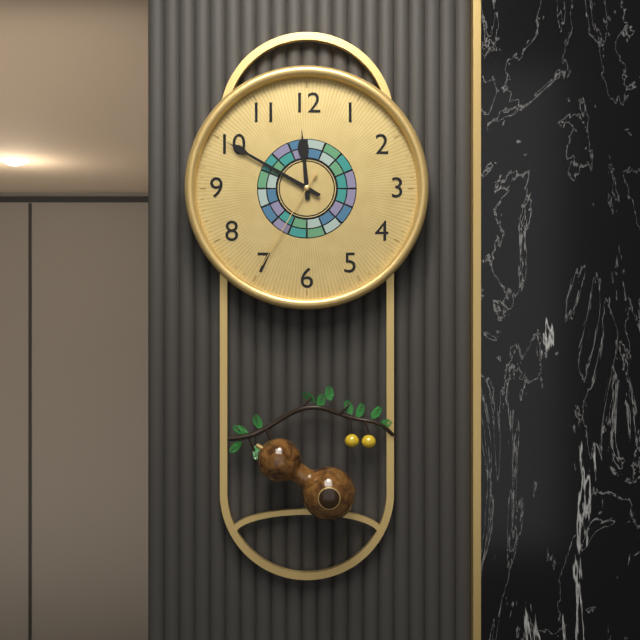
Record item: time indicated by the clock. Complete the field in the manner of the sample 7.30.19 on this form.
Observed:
11.50.35
